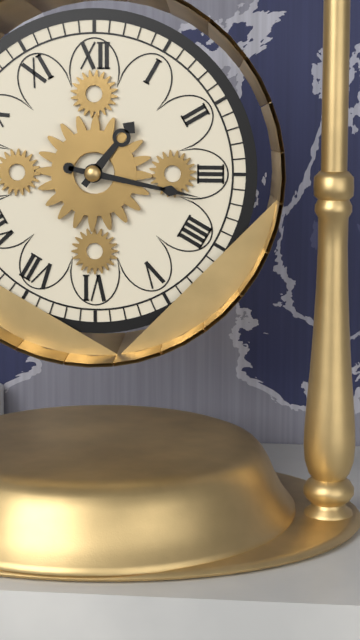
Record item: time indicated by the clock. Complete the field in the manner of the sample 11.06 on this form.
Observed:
1.17
